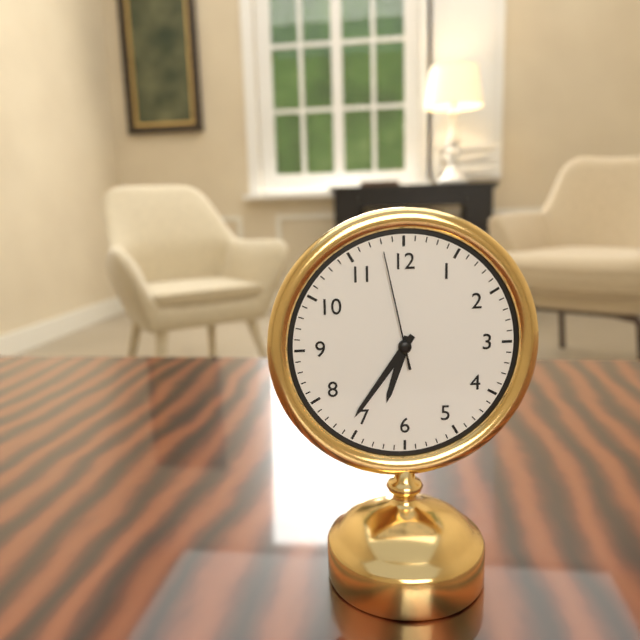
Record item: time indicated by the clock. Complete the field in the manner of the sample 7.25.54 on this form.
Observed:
6.36.58
